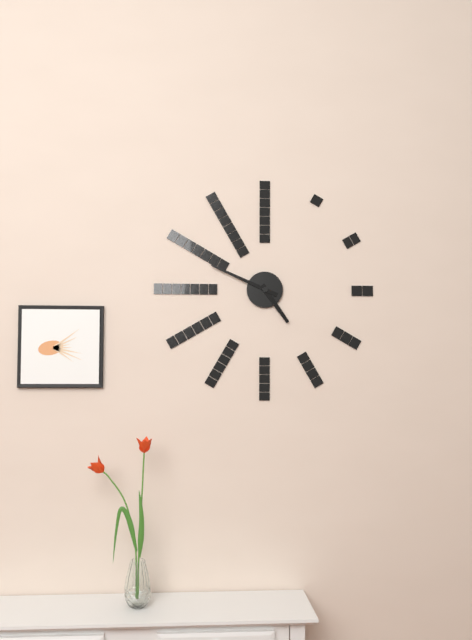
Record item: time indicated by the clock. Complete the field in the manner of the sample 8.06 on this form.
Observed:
4.49
